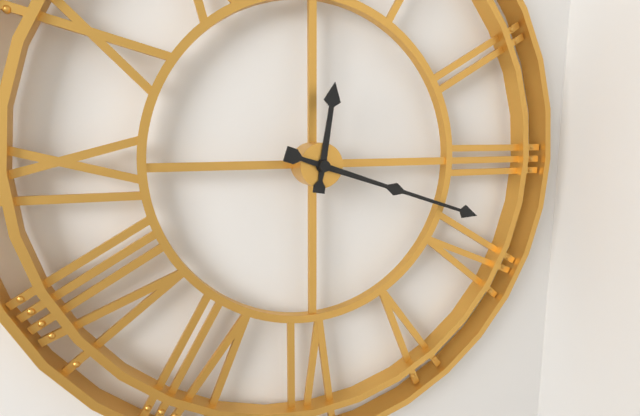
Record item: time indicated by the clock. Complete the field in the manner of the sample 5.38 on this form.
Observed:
12.18
